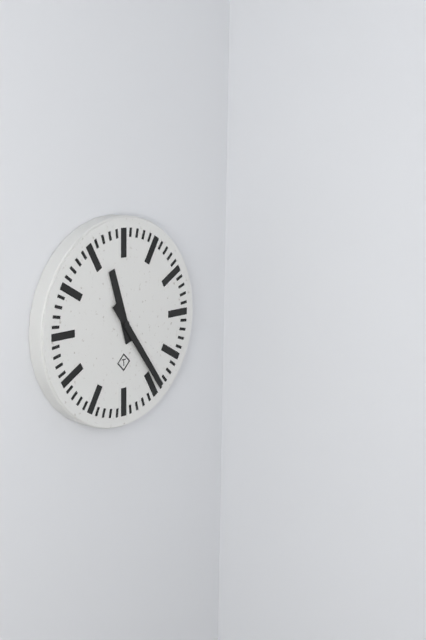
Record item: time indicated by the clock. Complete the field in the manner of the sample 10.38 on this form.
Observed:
11.24
